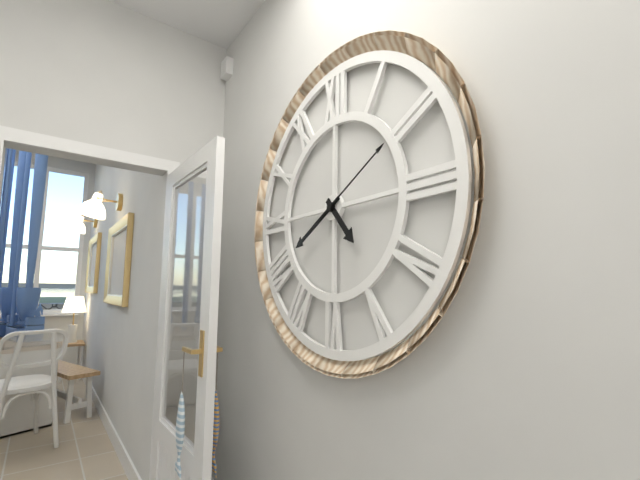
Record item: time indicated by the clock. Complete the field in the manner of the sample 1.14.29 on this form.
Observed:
4.40.10
